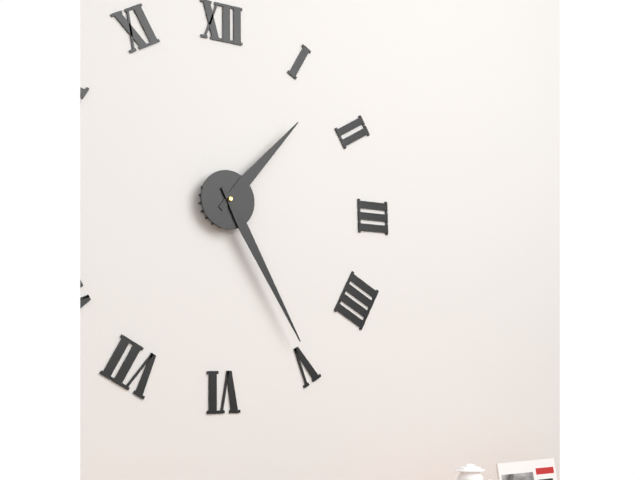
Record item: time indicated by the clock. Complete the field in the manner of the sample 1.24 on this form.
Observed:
1.25
